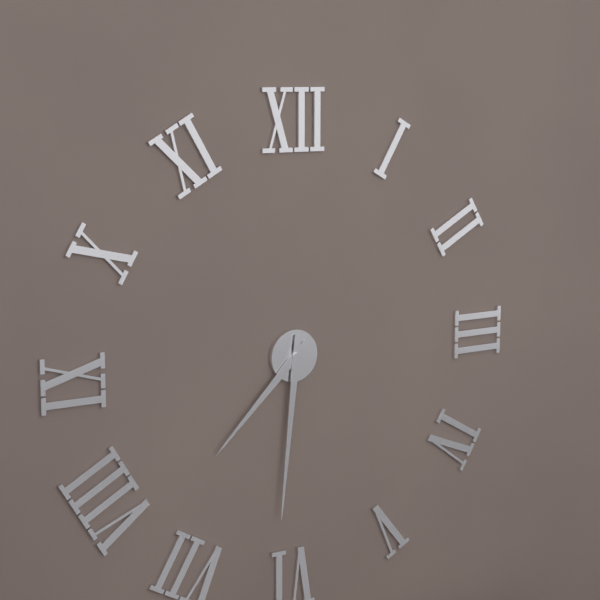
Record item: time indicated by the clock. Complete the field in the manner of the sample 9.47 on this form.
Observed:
7.31
